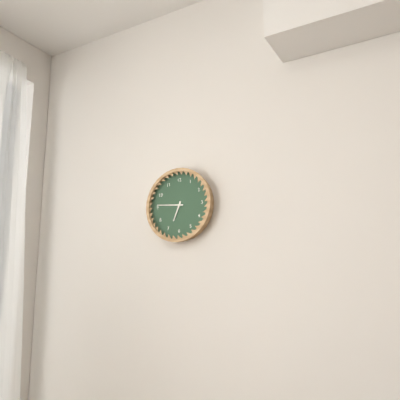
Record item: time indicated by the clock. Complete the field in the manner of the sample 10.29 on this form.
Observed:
6.46
